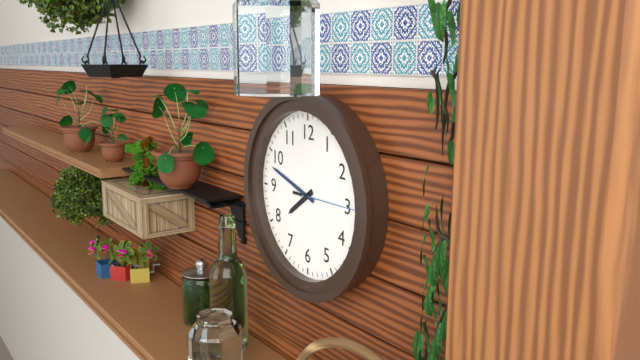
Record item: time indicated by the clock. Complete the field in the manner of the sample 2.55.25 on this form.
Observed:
7.48.15
